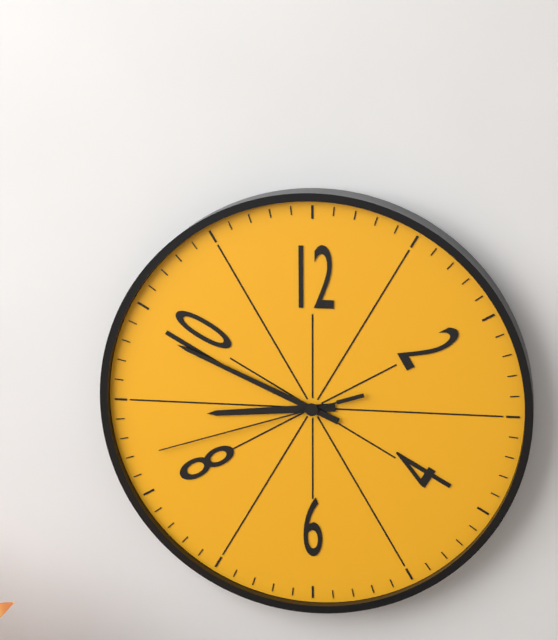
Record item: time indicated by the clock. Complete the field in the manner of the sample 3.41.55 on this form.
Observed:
8.49.42
